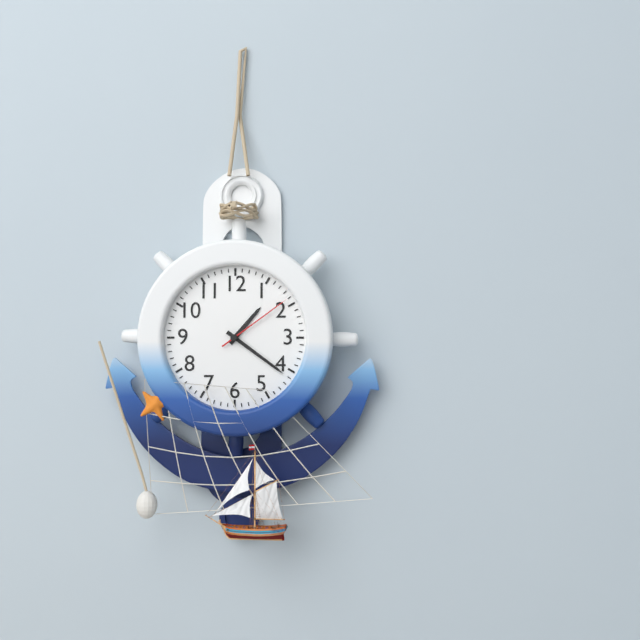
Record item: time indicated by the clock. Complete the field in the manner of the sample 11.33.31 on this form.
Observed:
1.21.09
